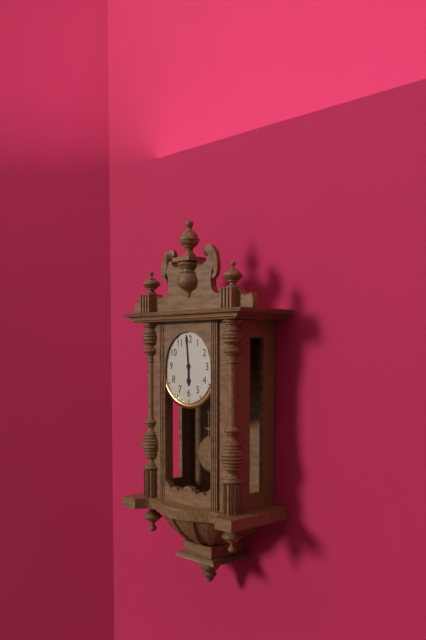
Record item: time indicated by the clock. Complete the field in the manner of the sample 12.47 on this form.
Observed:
5.59
